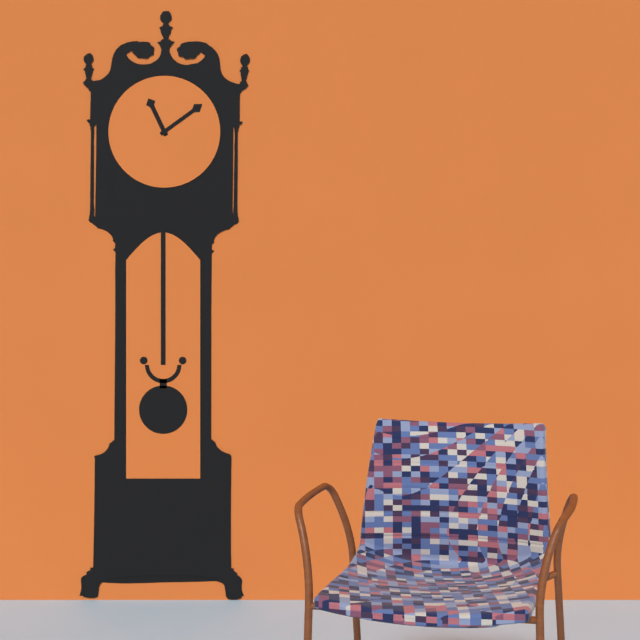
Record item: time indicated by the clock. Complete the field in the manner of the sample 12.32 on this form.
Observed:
11.09
